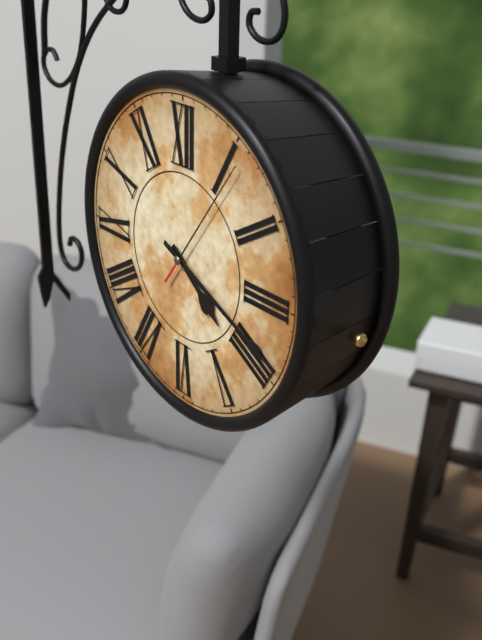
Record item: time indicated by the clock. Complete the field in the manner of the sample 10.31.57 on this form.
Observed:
4.19.06
